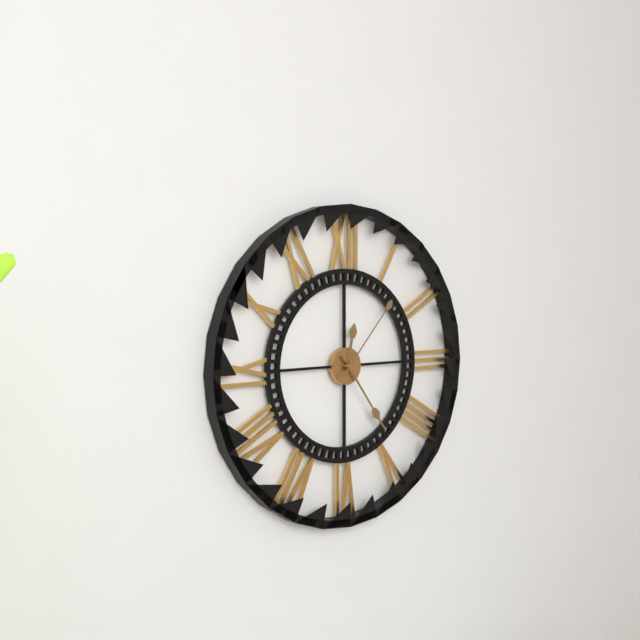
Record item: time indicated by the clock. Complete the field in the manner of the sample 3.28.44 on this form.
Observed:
12.24.07
